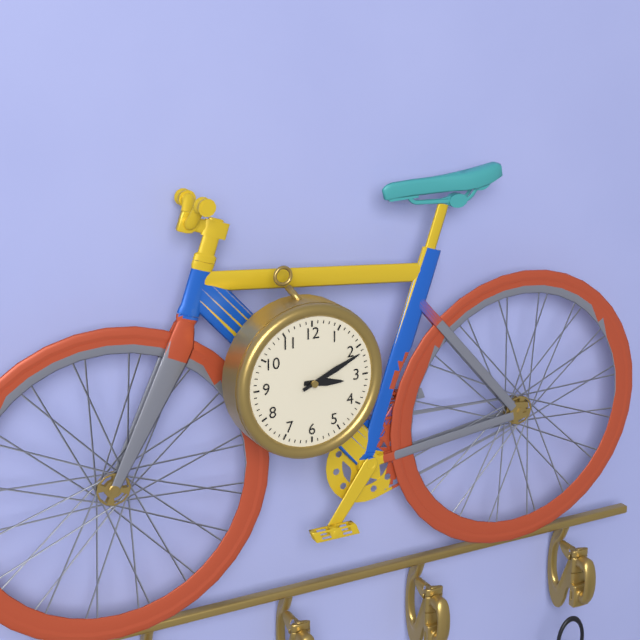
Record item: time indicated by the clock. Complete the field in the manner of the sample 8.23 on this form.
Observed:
3.11
